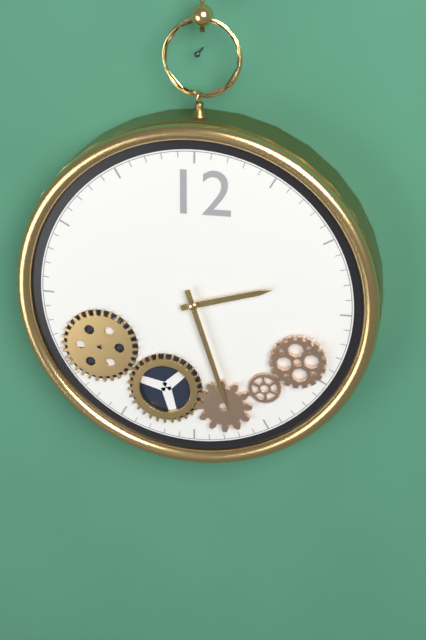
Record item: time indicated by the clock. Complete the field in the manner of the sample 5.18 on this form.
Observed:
2.27
